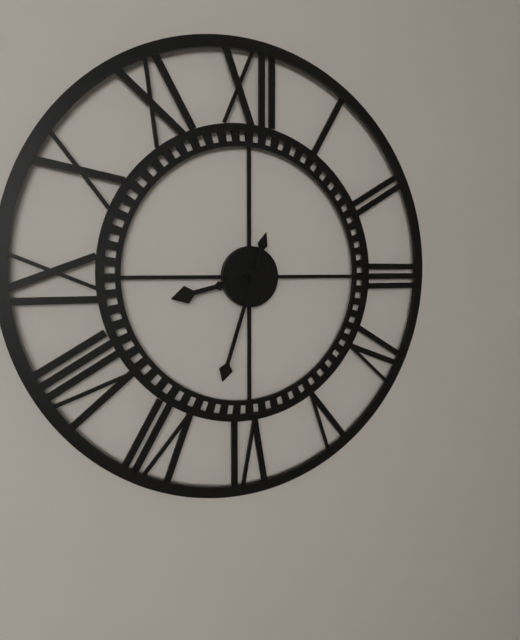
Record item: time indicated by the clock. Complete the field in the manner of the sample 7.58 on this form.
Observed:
8.33
